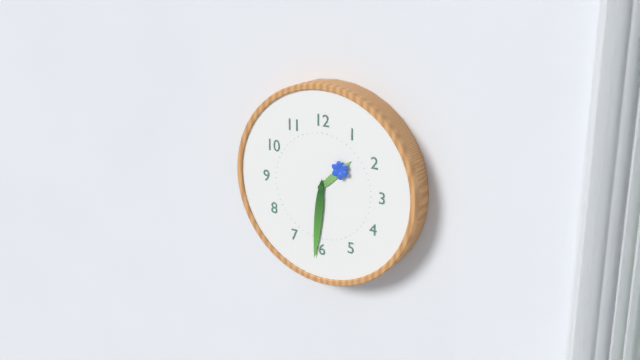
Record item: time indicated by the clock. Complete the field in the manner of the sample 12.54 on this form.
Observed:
1.31
